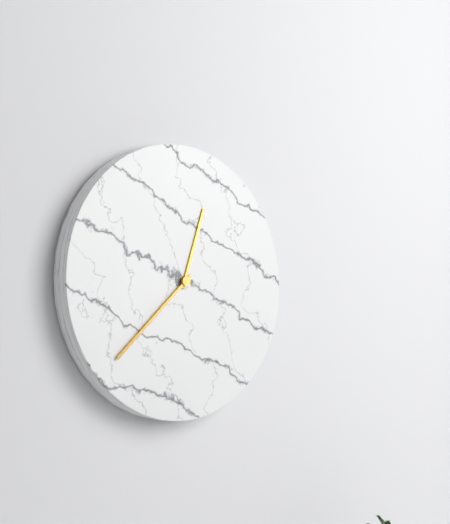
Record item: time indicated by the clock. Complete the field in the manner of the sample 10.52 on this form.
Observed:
12.38
